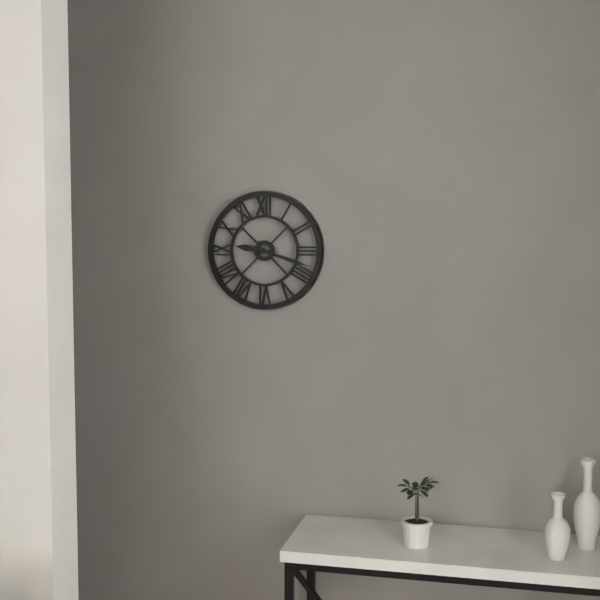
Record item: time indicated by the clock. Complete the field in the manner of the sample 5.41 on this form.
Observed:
9.18
